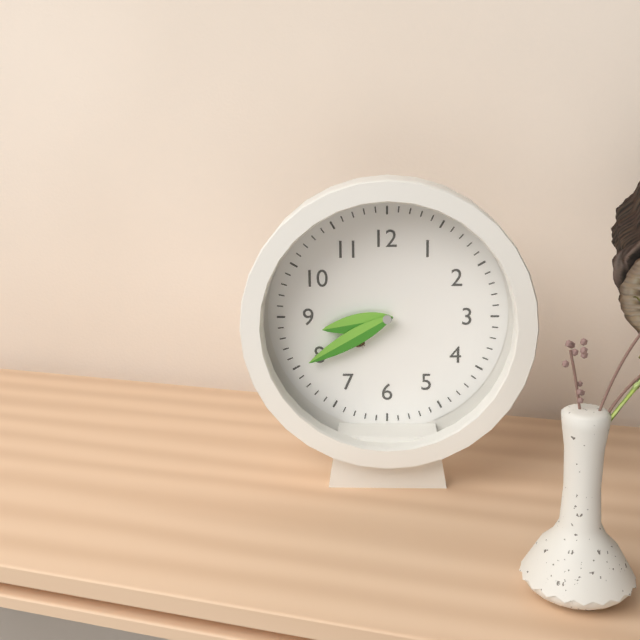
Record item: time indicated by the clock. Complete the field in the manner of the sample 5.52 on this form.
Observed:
8.40
